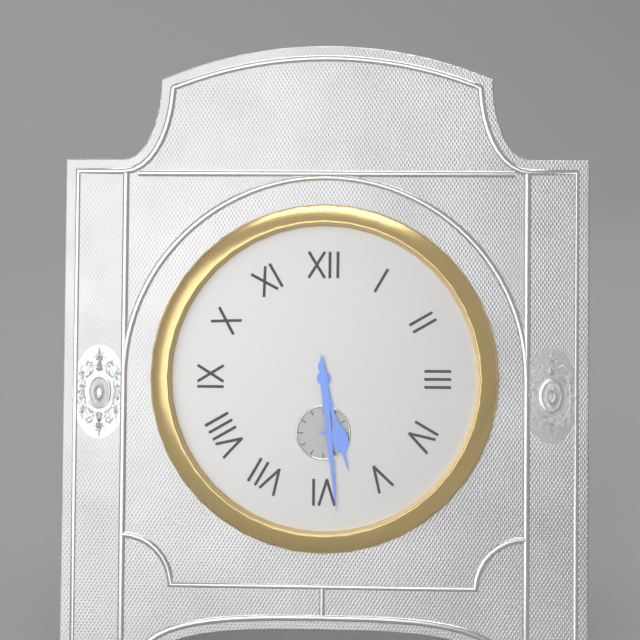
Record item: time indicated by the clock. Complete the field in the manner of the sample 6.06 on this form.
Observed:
5.29
